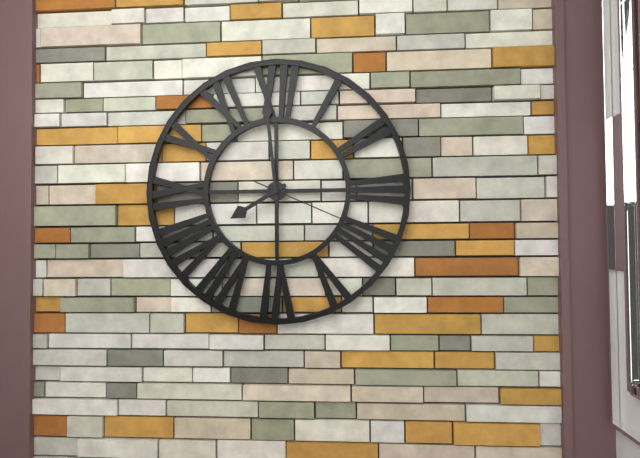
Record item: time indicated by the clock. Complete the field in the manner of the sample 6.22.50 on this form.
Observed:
7.59.19
